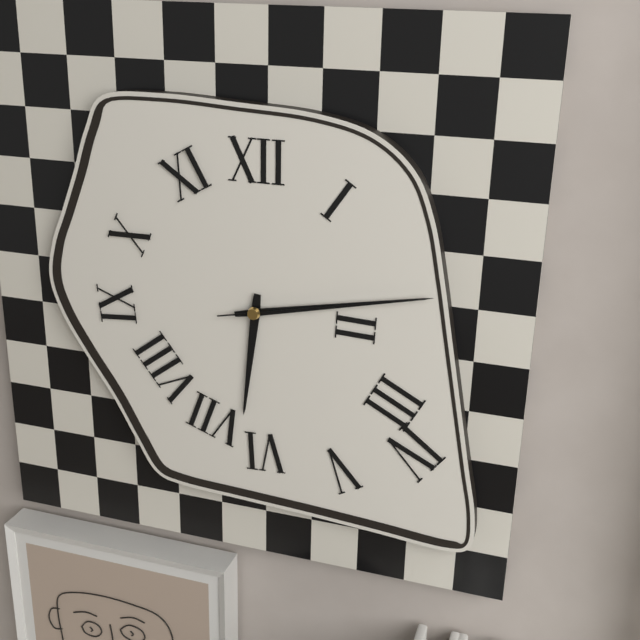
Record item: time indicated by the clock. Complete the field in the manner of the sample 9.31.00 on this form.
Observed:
6.13.13
